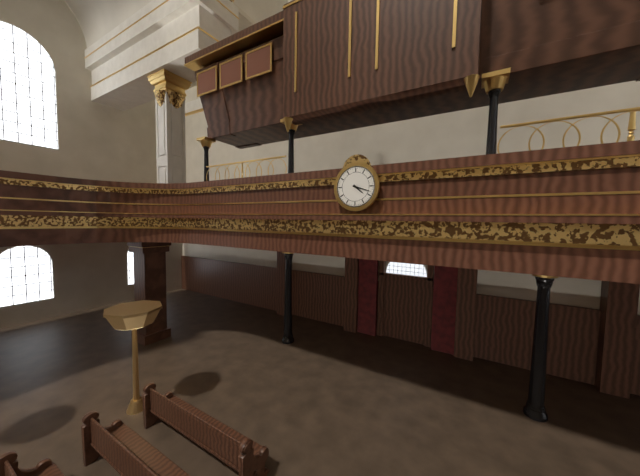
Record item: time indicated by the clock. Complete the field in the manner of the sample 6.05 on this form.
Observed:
4.18
